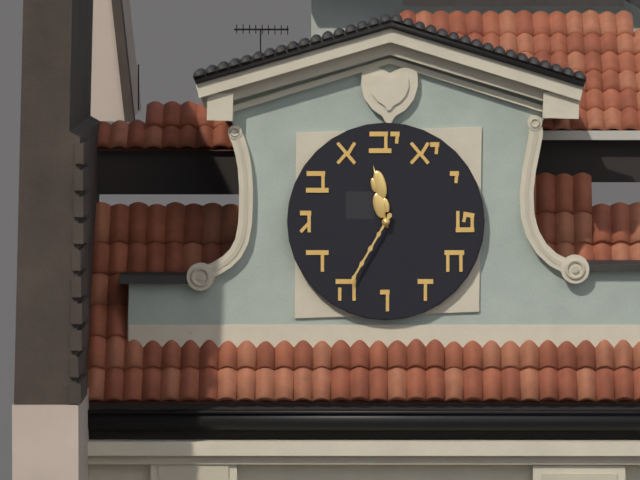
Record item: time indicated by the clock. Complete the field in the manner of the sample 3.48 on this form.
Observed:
11.35
